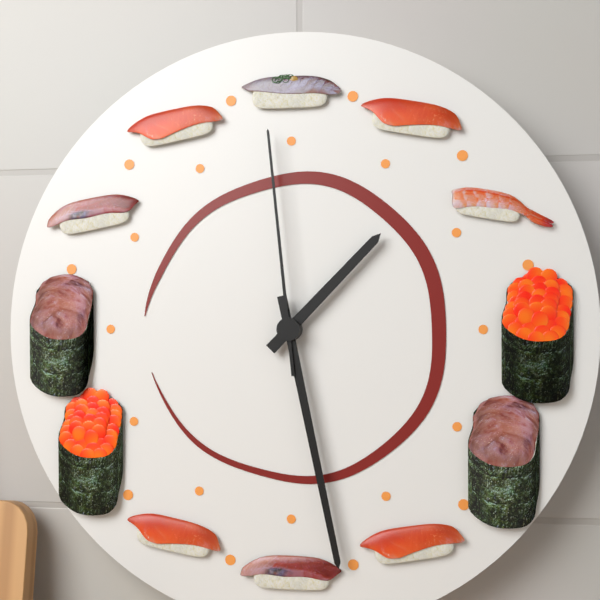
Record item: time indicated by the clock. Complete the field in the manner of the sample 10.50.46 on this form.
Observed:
1.28.59
